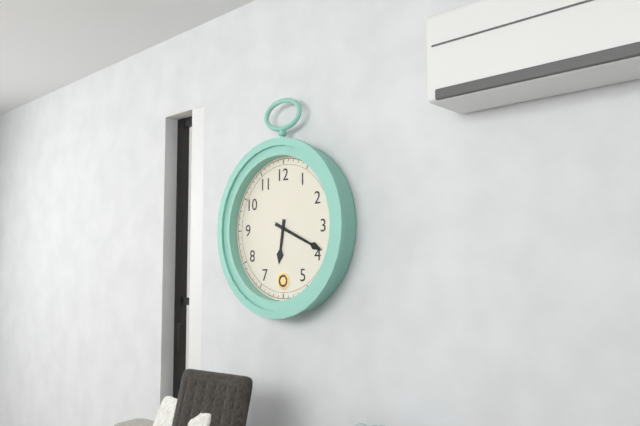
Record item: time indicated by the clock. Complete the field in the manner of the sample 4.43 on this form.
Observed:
6.19
